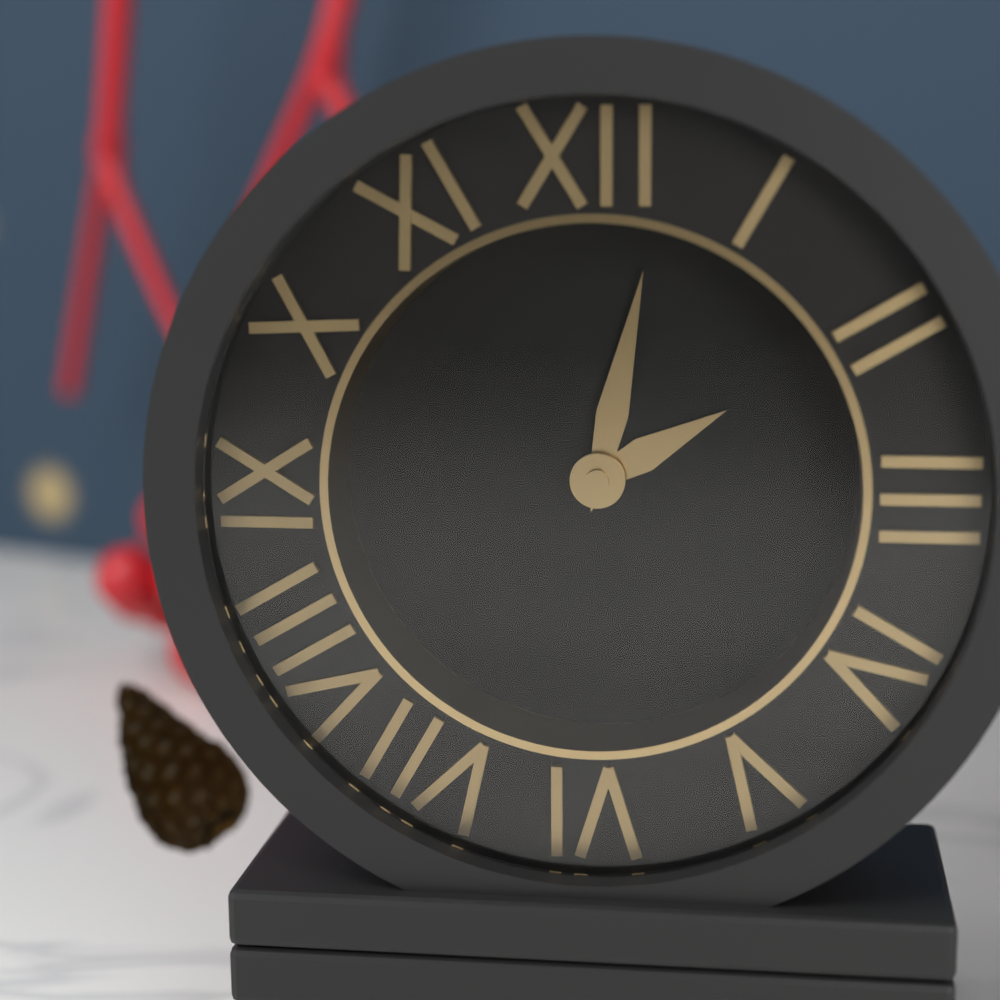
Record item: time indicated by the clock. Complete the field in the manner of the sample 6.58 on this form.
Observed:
2.02
